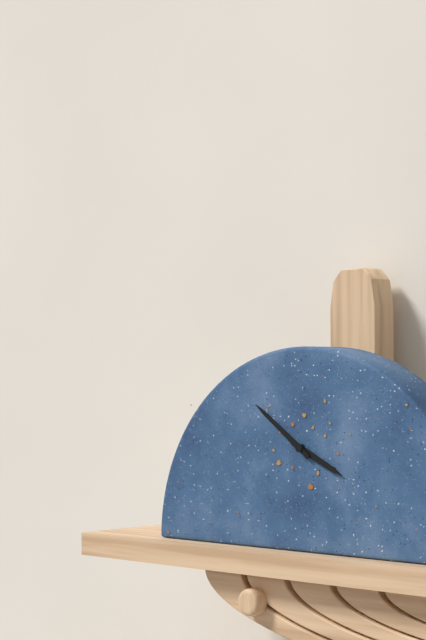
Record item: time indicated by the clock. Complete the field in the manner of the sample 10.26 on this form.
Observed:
3.51
